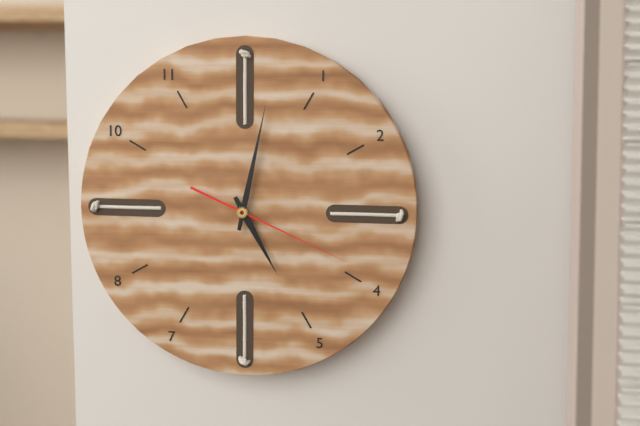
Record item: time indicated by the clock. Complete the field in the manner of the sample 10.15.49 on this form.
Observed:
5.02.19
